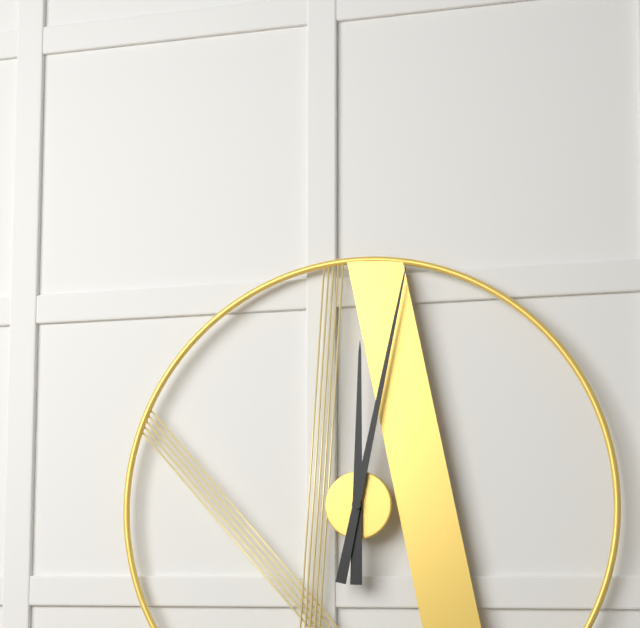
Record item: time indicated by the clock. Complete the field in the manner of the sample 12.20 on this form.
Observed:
12.02
